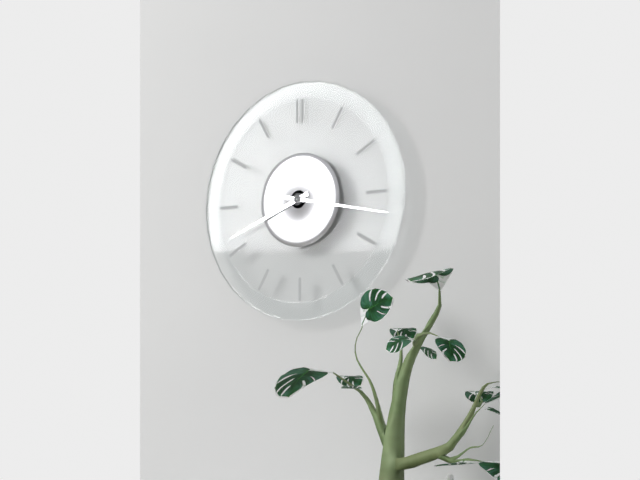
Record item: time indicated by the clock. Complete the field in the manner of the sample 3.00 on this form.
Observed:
8.17
